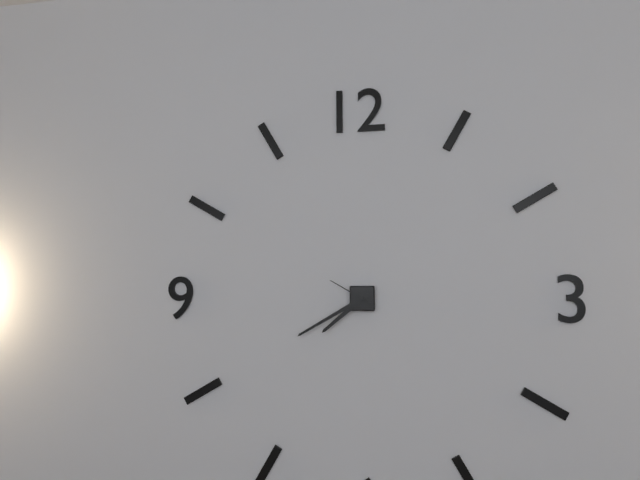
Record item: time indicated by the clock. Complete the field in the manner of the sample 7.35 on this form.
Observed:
7.40
